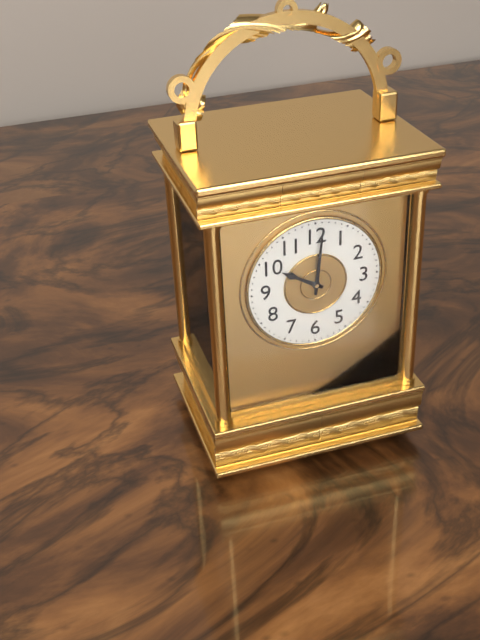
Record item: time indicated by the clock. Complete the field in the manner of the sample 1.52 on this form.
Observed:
10.01
